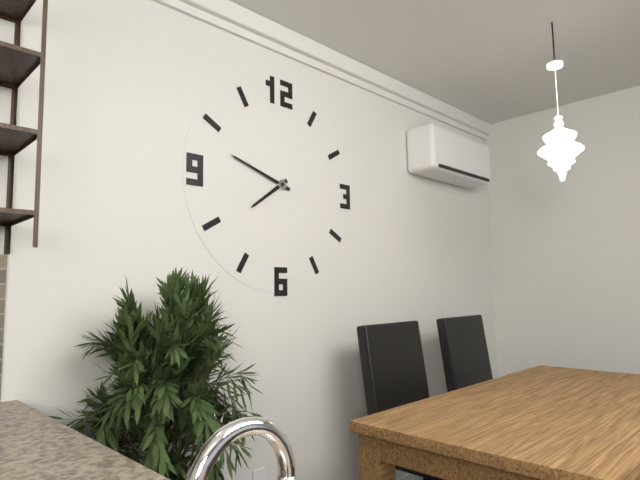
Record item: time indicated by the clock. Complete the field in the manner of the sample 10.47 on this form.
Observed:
7.48
